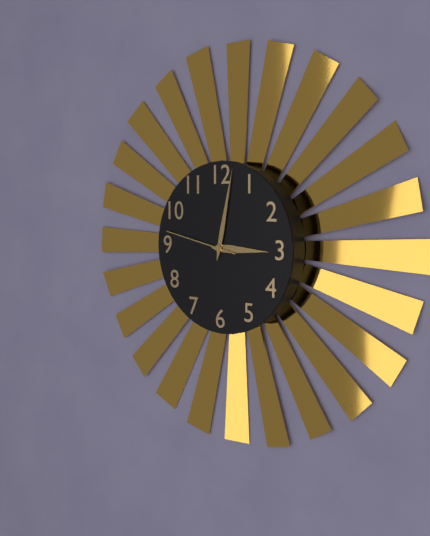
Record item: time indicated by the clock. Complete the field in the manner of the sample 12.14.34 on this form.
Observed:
3.02.47
